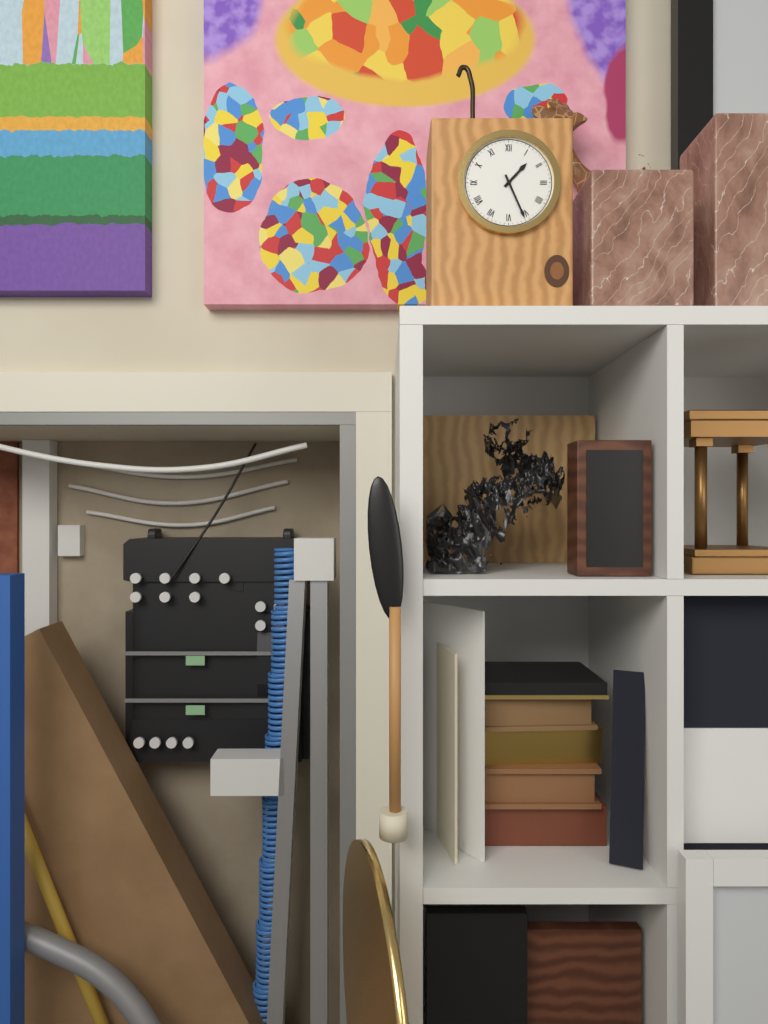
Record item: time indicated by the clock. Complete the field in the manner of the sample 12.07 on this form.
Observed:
1.26
